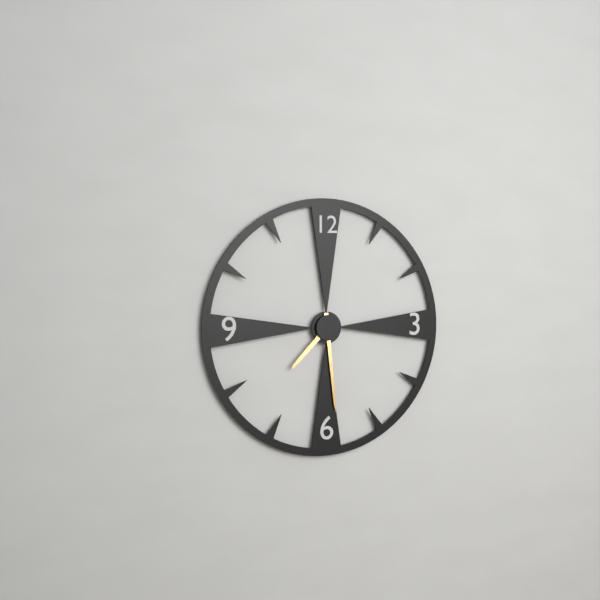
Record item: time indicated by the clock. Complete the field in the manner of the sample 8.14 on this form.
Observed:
7.29
